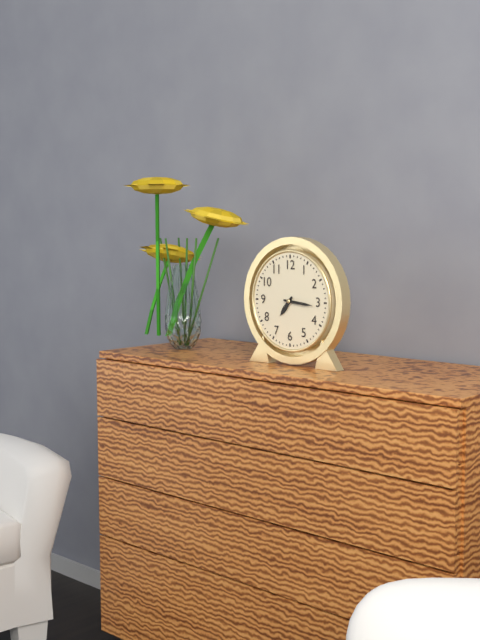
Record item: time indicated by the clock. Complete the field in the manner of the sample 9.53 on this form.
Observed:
7.16
